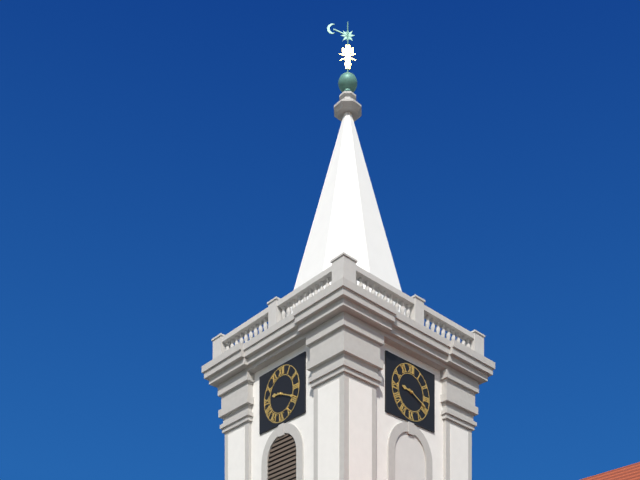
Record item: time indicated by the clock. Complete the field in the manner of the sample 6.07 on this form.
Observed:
9.19
